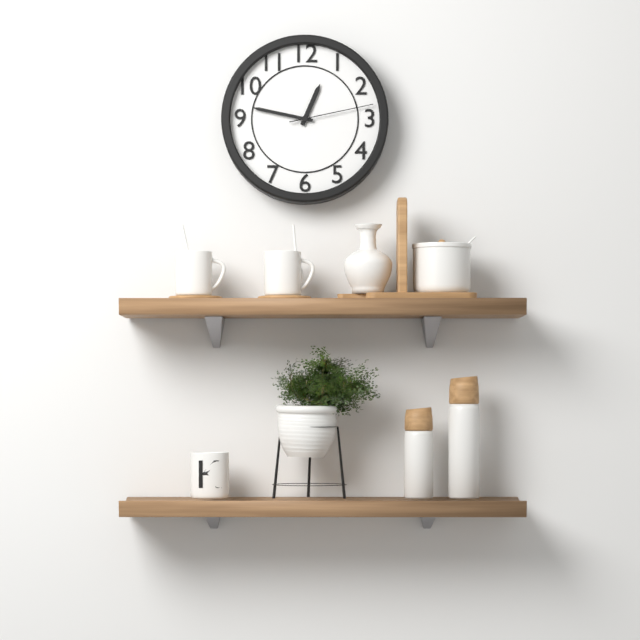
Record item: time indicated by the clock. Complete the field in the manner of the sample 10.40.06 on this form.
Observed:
12.47.13
